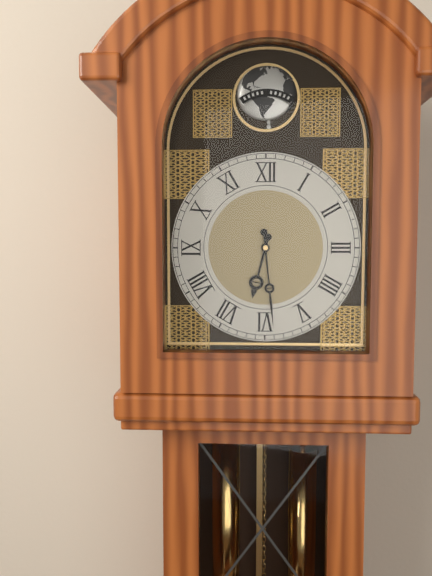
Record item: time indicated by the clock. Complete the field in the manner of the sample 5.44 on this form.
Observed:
6.29
